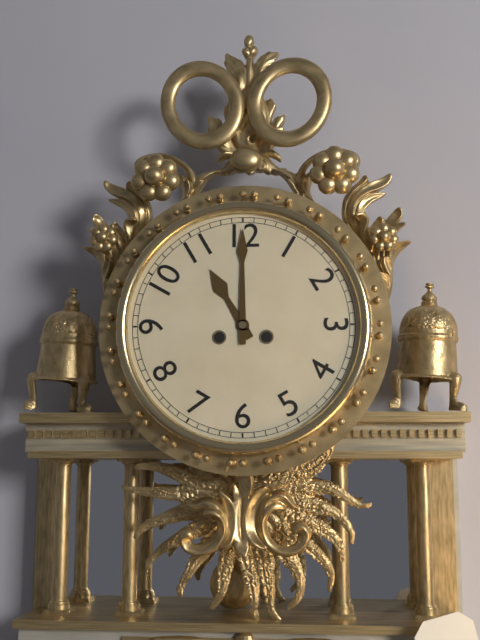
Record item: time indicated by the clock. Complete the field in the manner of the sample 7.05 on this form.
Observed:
11.00
